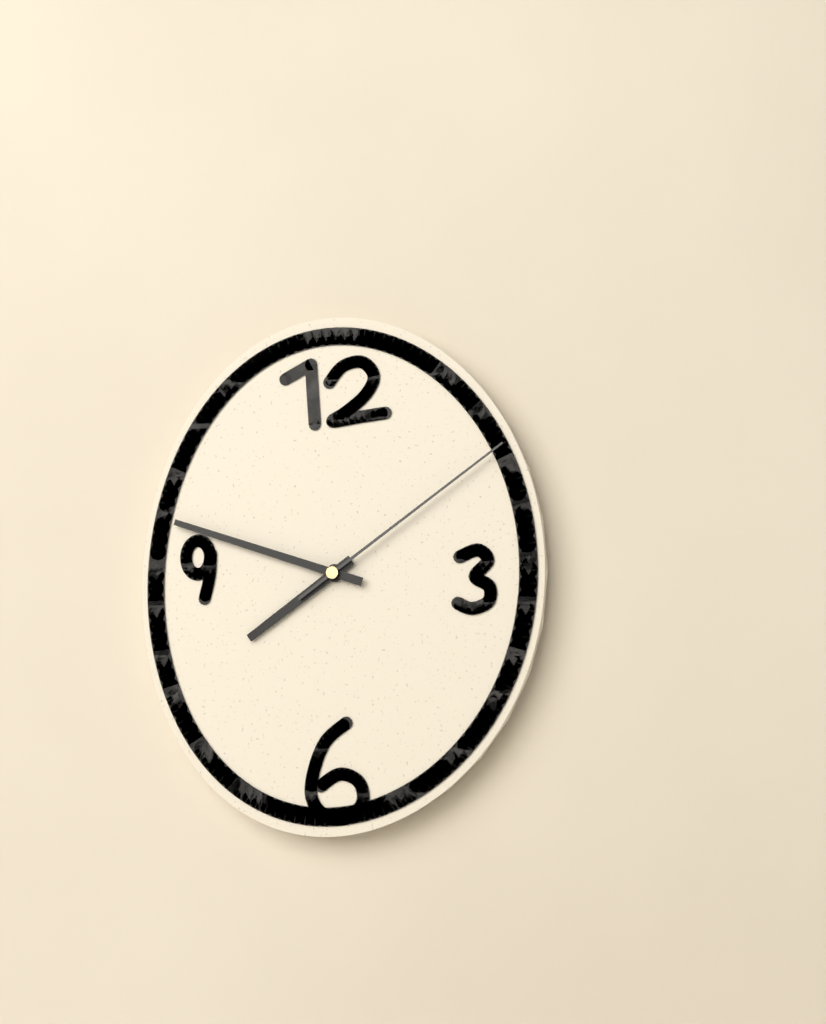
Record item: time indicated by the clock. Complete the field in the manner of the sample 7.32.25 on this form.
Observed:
7.48.09
